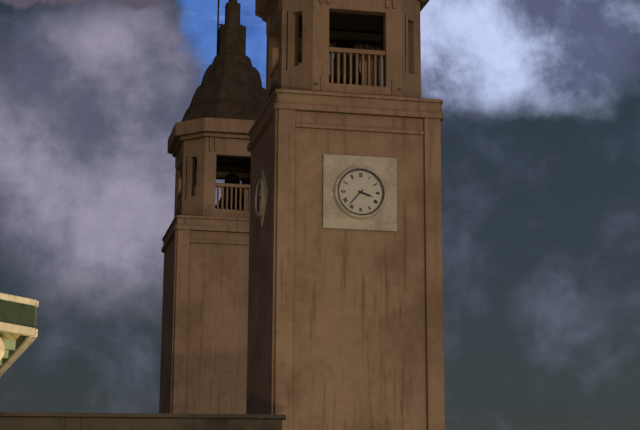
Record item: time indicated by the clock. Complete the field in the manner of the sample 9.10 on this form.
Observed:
3.37
